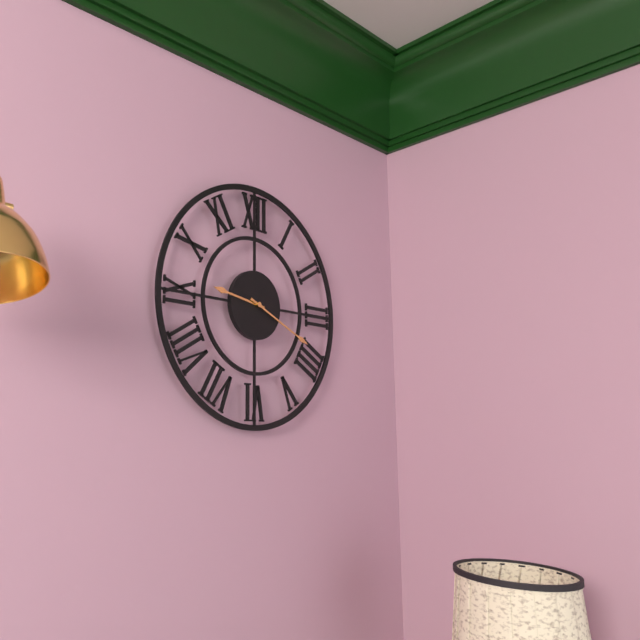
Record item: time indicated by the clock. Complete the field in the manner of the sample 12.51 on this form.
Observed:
9.19
